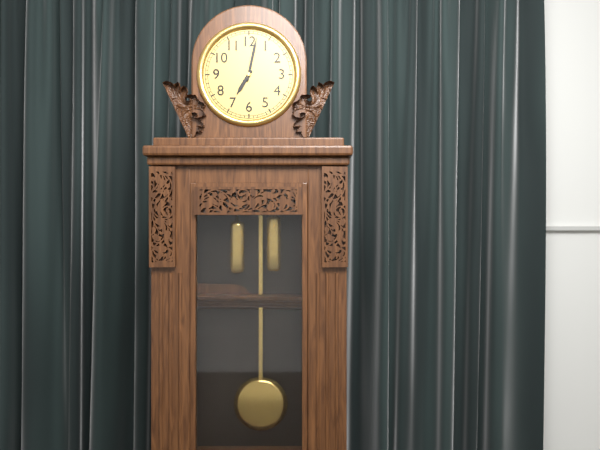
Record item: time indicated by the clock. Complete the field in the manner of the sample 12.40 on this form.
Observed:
7.02
